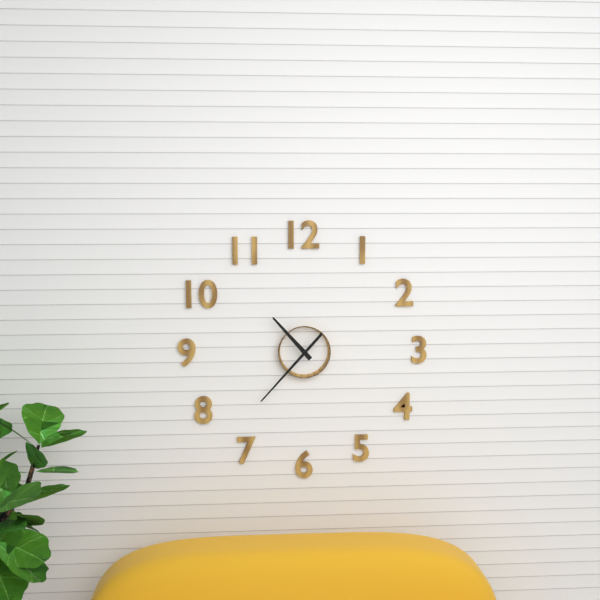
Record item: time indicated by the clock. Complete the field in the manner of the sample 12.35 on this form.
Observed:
10.37
